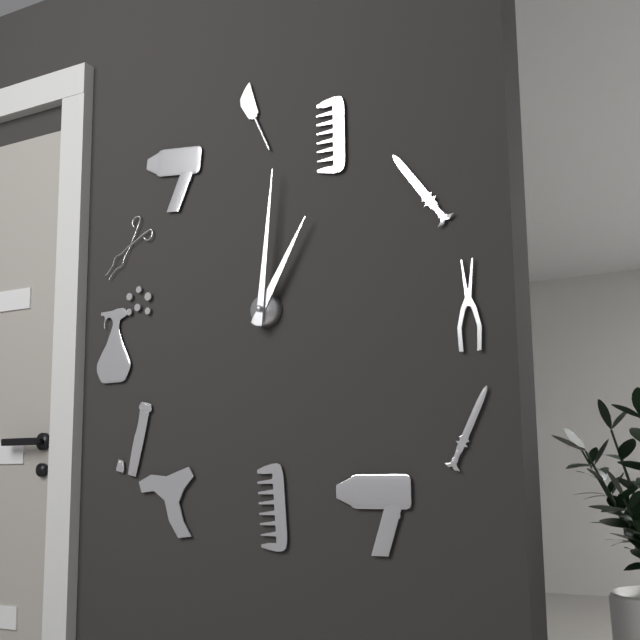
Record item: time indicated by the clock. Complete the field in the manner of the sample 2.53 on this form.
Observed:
1.01
